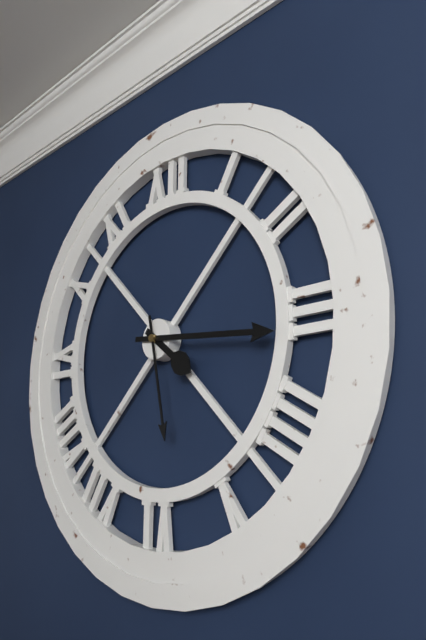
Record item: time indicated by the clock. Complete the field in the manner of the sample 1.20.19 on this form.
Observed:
4.16.28
